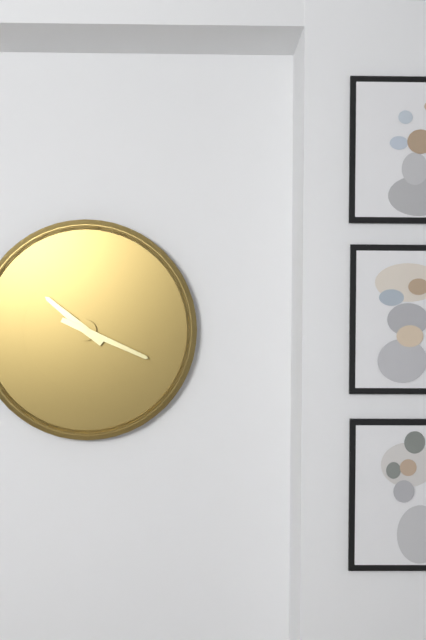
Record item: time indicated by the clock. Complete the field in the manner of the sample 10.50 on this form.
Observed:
10.19
